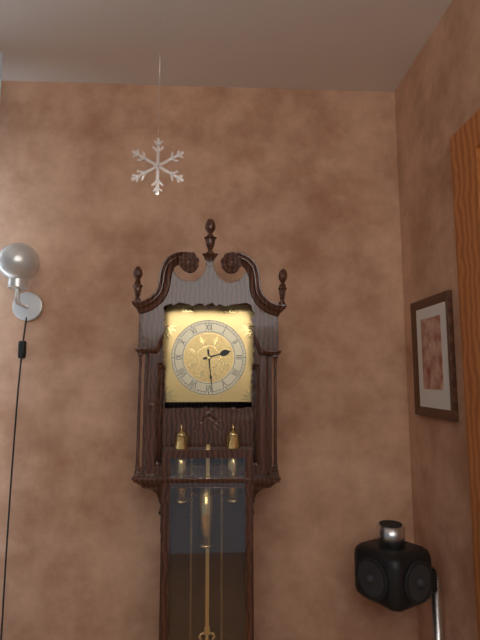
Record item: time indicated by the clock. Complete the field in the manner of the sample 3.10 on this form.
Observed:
2.29
